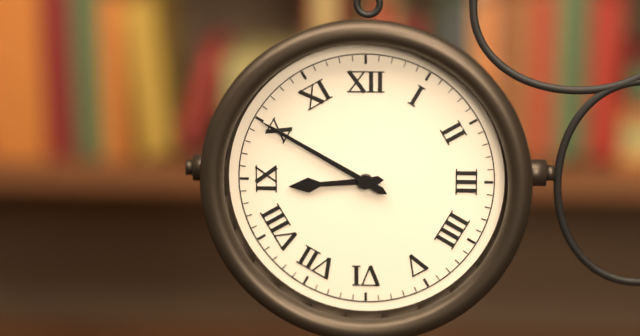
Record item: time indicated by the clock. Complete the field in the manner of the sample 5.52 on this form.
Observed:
8.50
